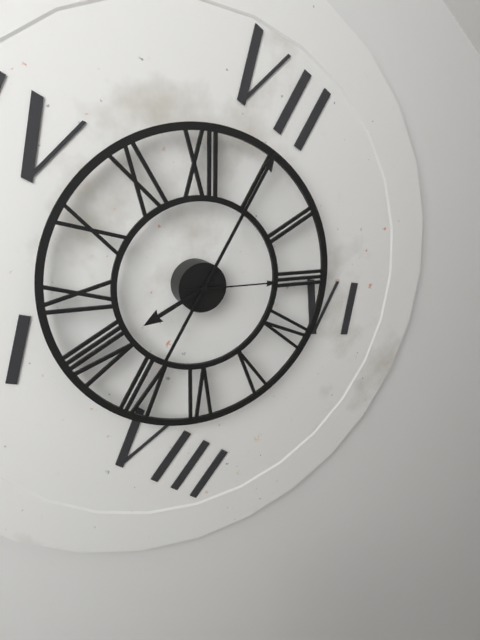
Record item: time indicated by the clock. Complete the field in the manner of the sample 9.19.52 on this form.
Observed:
8.05.15
